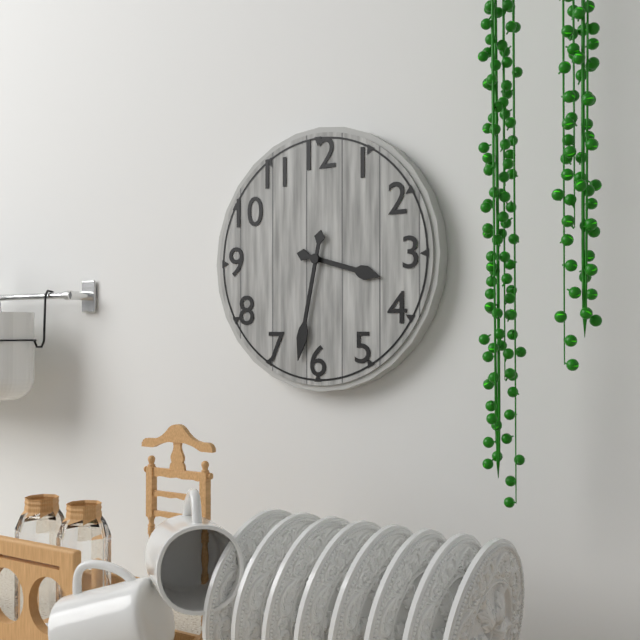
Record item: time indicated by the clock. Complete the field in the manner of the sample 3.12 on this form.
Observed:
3.32
